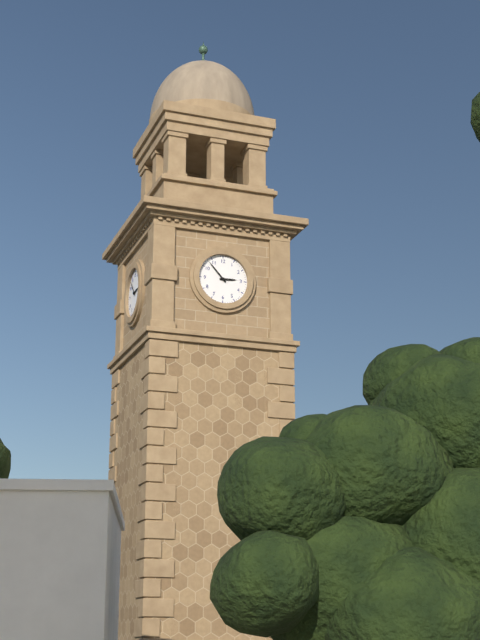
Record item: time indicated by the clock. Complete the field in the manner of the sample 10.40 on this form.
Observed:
2.53
